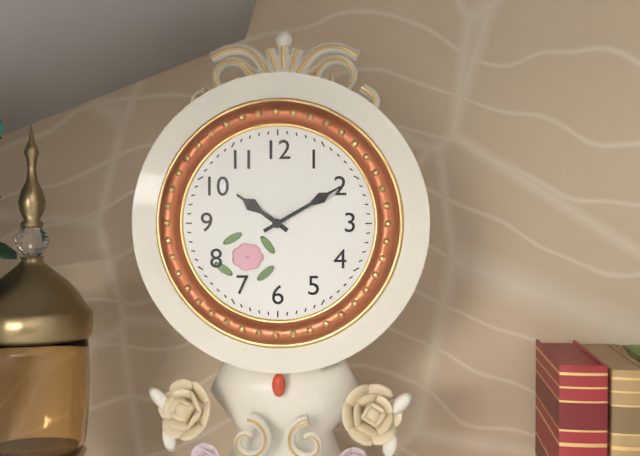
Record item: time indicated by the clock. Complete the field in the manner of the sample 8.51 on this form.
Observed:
10.10
